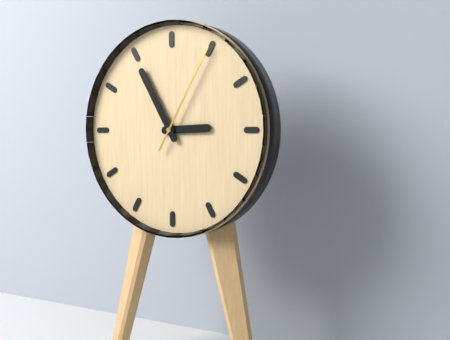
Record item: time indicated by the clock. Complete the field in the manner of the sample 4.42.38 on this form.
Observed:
2.55.05
